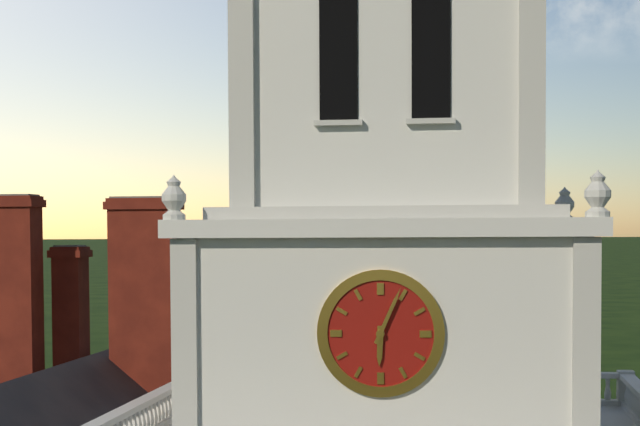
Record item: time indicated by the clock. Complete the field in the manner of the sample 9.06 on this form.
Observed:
6.04
